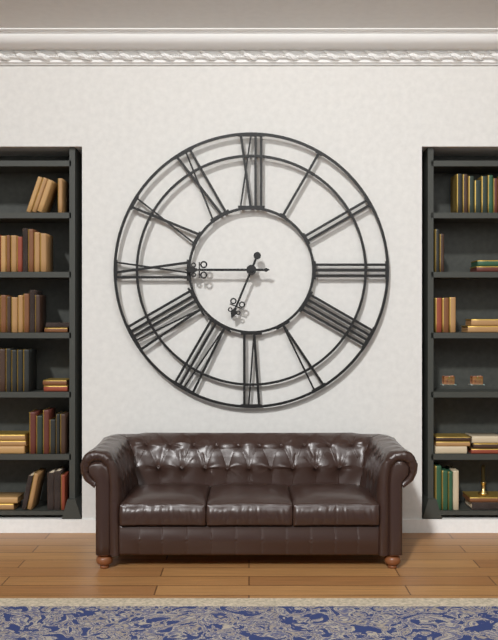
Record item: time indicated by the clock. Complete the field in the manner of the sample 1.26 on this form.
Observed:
6.45
